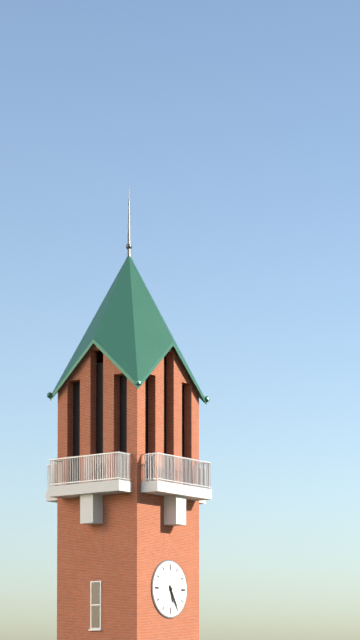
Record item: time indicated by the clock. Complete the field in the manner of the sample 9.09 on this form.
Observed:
5.25
